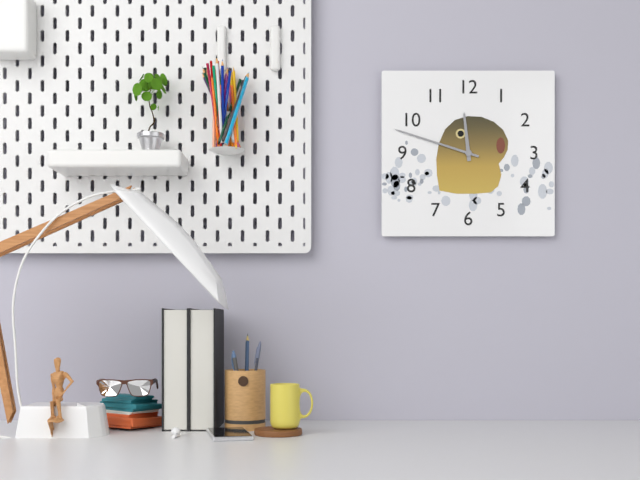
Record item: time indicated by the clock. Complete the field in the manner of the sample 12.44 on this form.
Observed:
11.48
